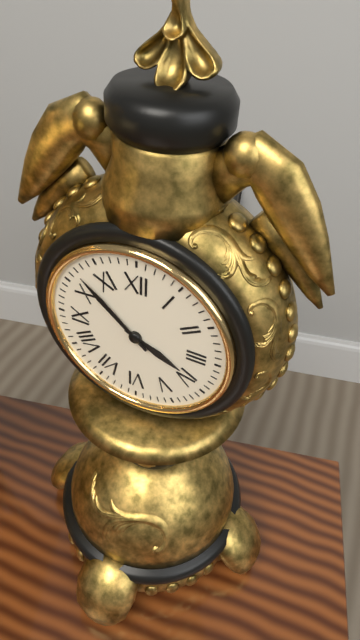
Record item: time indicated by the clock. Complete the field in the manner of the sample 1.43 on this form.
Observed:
3.52
